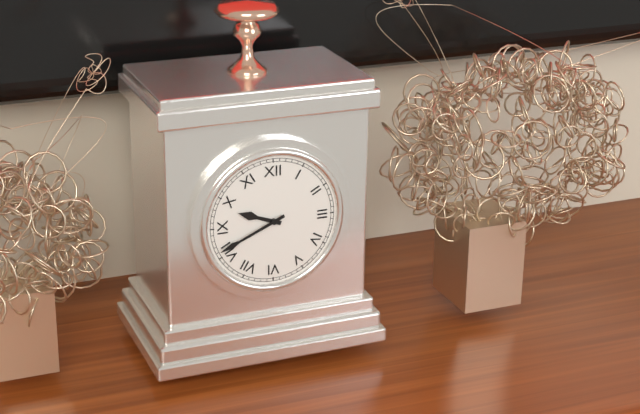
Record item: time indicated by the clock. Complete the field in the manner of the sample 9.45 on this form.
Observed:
9.41
